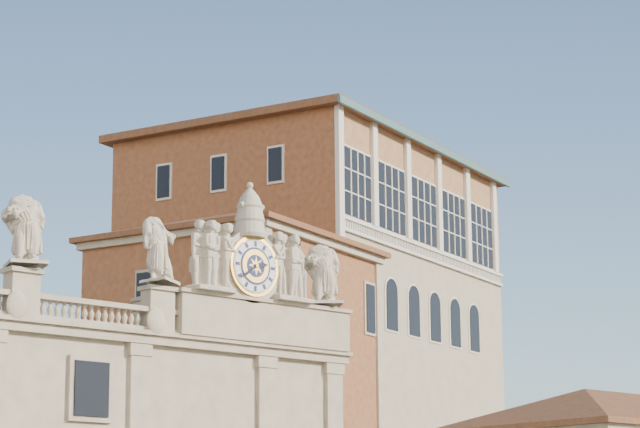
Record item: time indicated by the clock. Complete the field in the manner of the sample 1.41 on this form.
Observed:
2.39
